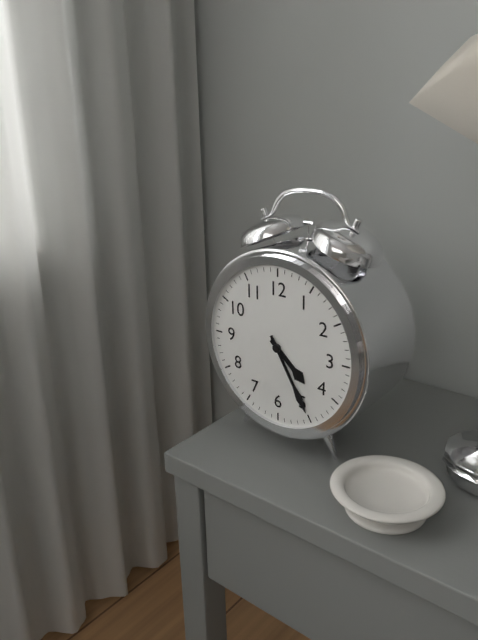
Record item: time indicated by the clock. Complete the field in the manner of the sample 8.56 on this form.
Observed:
4.25
